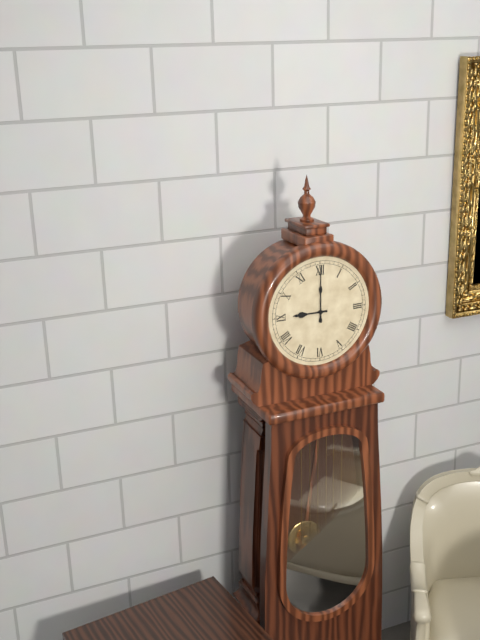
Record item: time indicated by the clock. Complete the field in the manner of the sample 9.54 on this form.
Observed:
9.00
